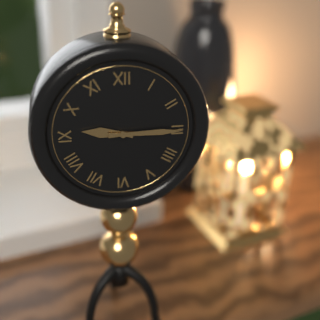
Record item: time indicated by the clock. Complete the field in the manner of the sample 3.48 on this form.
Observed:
9.15
